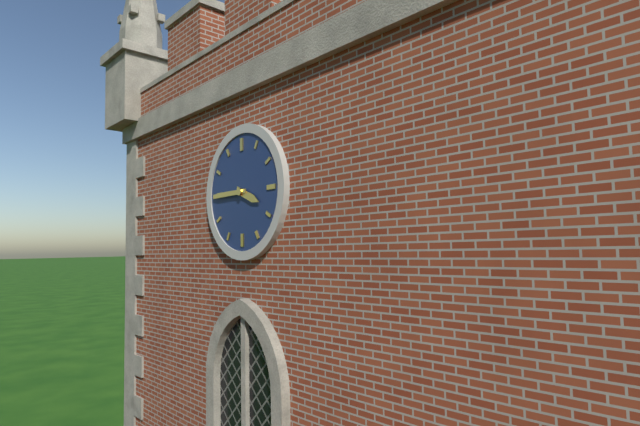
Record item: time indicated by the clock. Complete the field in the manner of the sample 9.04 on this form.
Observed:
3.45
